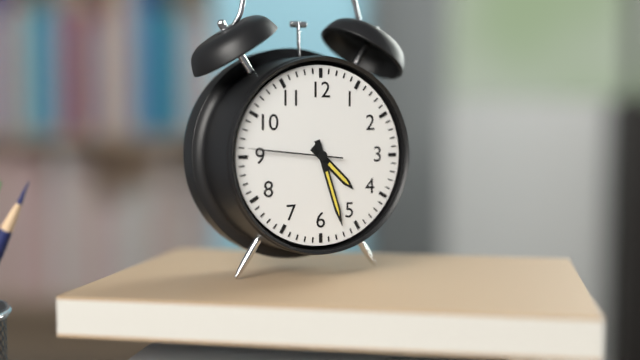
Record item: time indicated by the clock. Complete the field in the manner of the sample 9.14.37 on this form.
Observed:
4.27.46
